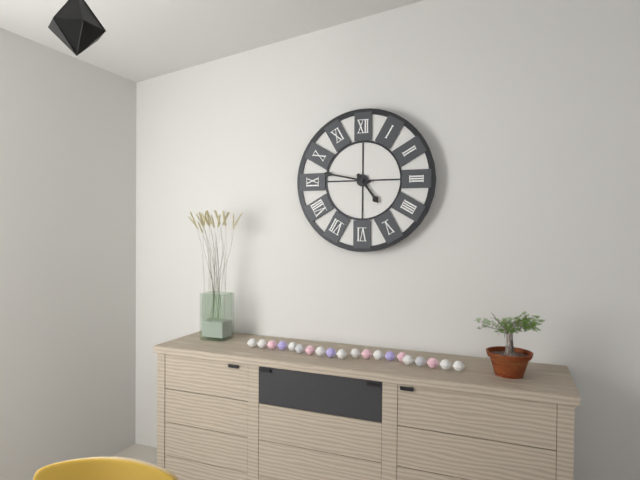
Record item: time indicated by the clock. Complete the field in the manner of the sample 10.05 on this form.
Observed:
4.47
